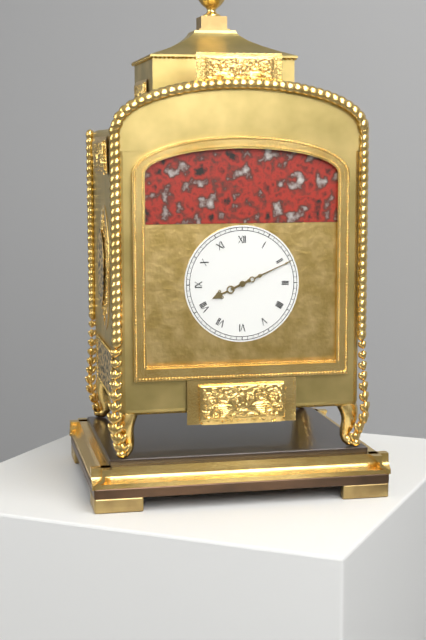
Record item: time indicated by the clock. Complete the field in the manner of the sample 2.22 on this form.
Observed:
8.11
